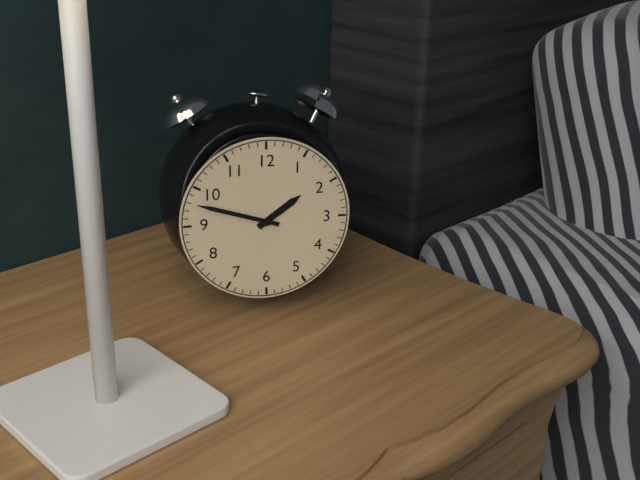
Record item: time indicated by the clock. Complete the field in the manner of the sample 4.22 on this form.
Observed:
1.48
